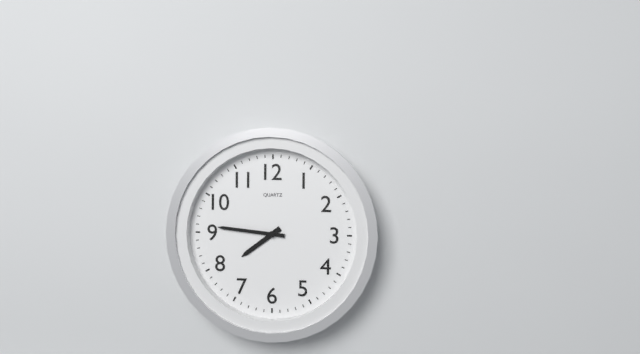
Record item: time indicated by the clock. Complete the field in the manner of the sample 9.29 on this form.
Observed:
7.46
